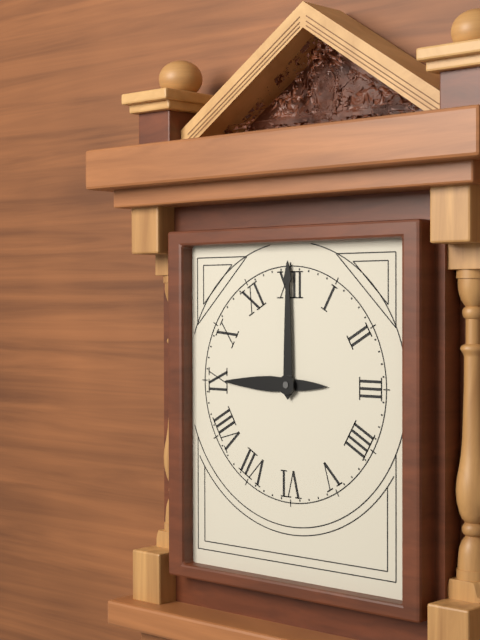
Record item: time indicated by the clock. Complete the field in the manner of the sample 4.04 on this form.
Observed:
9.00
